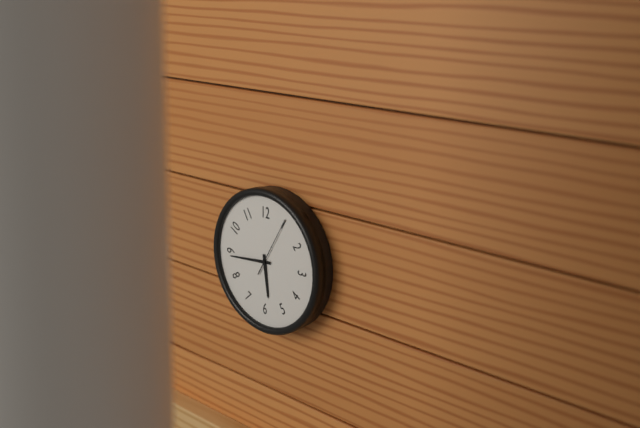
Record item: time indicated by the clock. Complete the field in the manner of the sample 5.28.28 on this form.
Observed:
5.44.05
